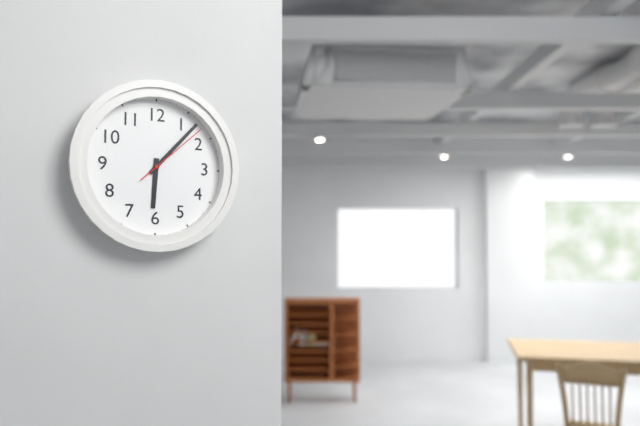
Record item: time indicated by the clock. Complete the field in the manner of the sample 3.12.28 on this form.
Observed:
6.07.08
